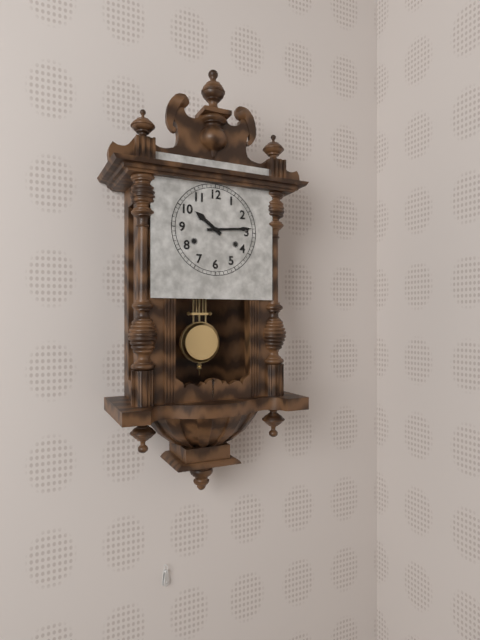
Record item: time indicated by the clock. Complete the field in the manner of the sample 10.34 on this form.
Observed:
10.14
